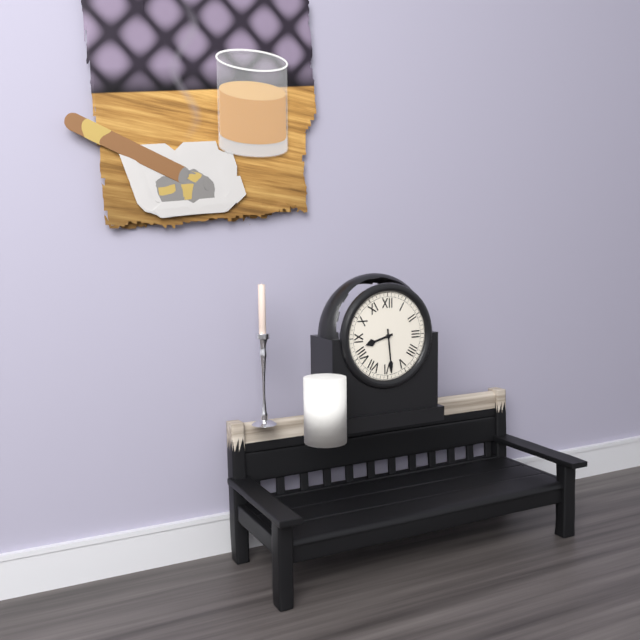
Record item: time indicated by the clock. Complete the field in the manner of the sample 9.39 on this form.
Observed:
8.29
